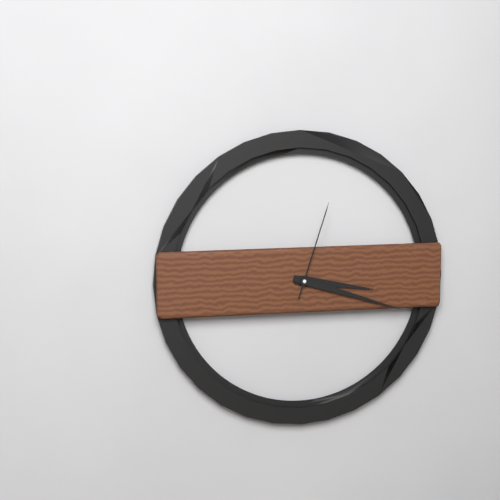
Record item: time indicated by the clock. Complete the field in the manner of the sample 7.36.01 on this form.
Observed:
3.18.03
